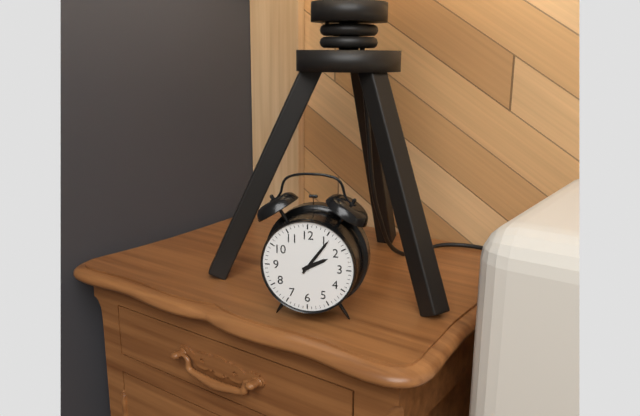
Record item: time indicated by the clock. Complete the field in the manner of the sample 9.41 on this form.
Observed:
2.06
